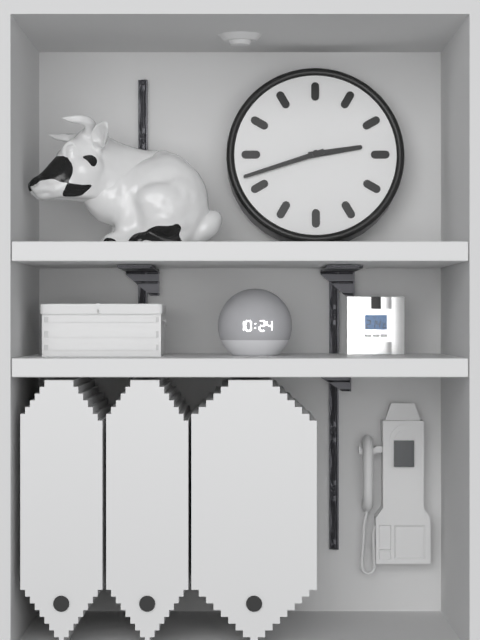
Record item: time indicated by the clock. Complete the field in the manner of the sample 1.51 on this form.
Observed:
2.42
